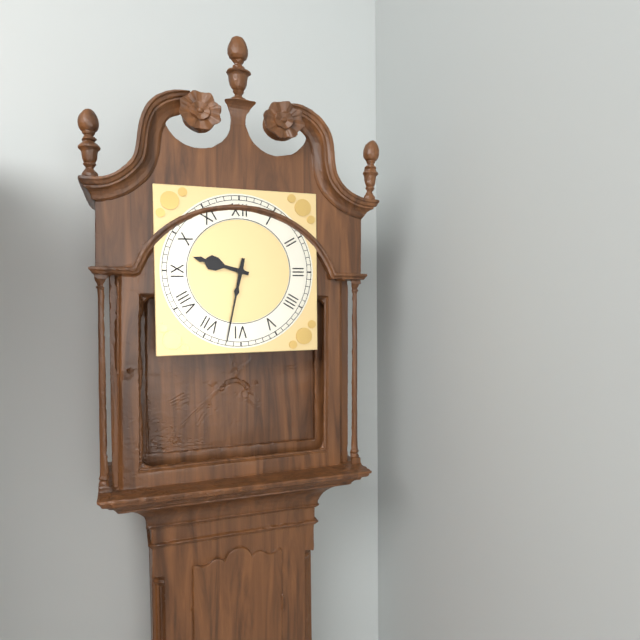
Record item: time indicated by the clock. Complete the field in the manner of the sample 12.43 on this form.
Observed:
9.32
